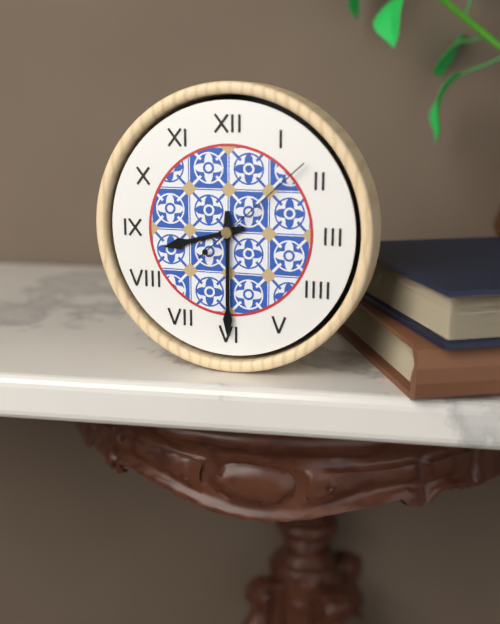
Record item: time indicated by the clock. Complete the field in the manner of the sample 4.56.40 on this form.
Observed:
8.30.08
